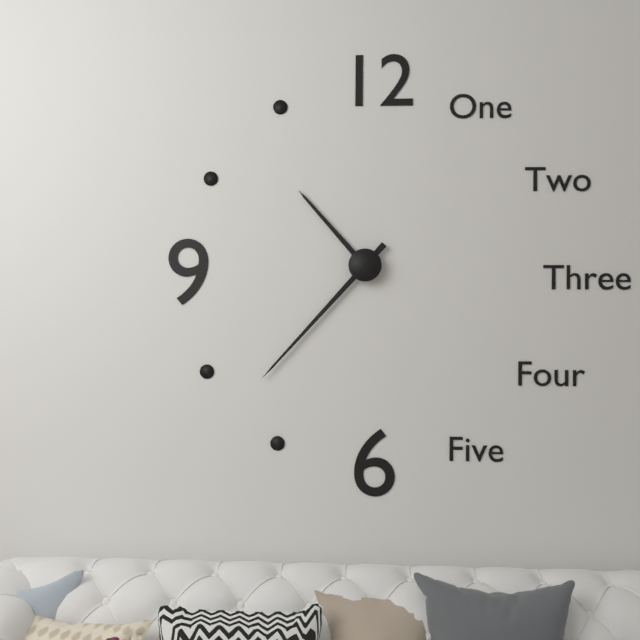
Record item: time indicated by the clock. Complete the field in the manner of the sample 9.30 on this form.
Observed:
10.37
